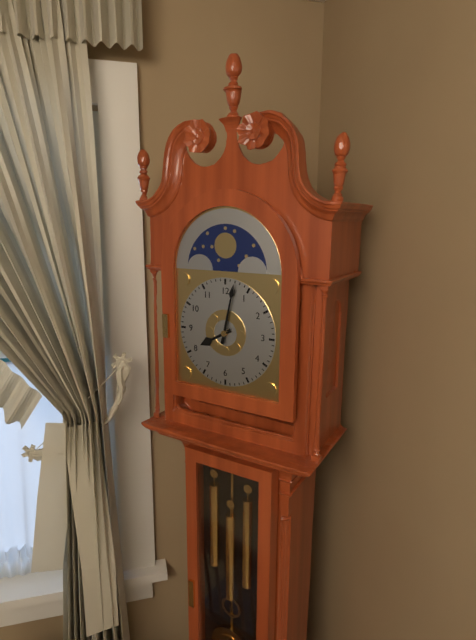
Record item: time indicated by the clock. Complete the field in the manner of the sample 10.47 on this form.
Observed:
8.02
